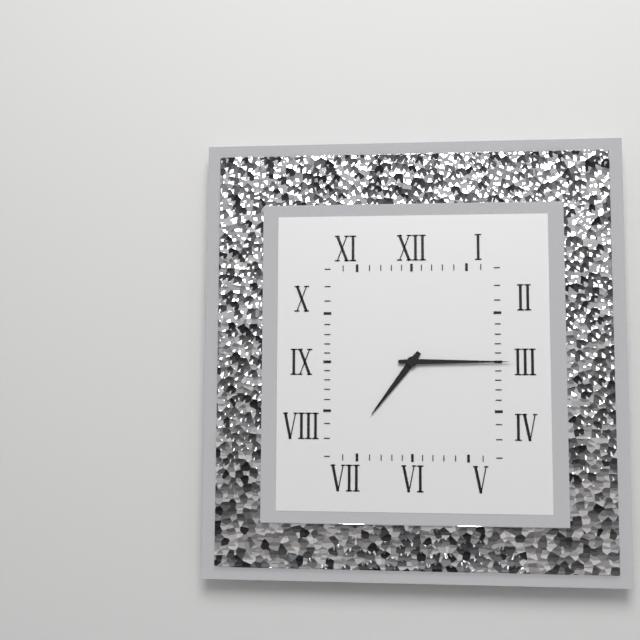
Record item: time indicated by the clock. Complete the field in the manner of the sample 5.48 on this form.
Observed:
7.15
